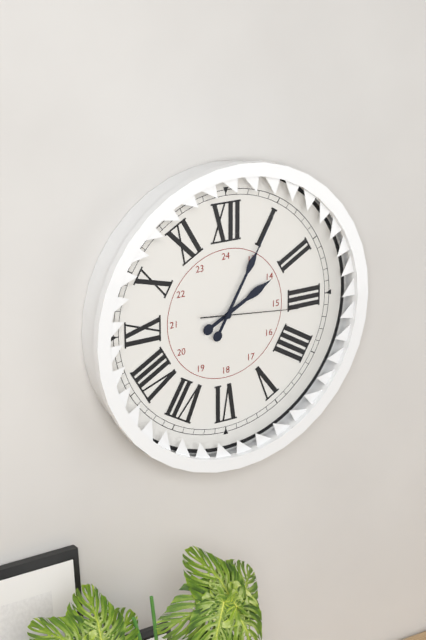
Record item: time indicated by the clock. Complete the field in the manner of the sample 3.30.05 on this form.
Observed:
2.05.16
